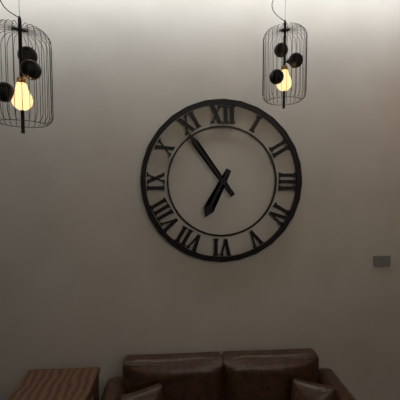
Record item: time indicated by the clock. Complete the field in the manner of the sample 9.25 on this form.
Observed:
6.54
